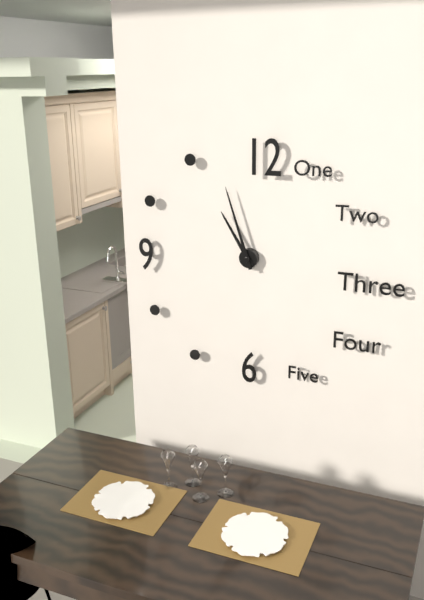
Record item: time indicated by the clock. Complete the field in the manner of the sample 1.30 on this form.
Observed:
10.57
